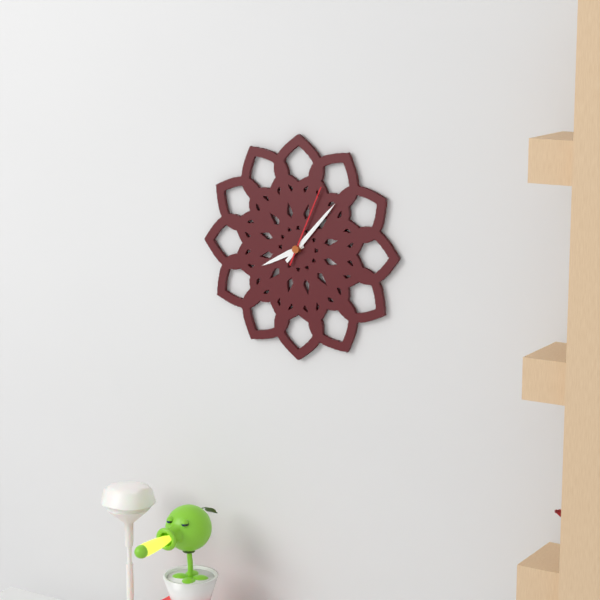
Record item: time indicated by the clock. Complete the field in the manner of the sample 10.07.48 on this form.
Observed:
8.07.04
